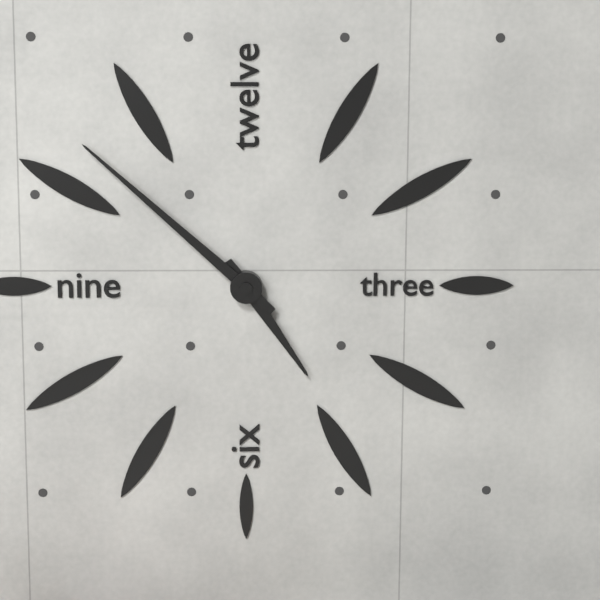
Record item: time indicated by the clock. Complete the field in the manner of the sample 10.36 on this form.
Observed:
4.52
